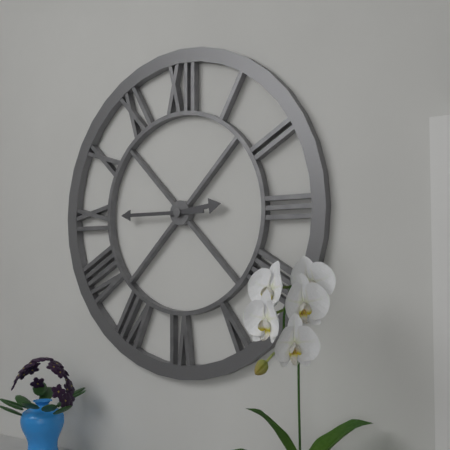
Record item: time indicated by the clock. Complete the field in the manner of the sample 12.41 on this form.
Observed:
2.45
